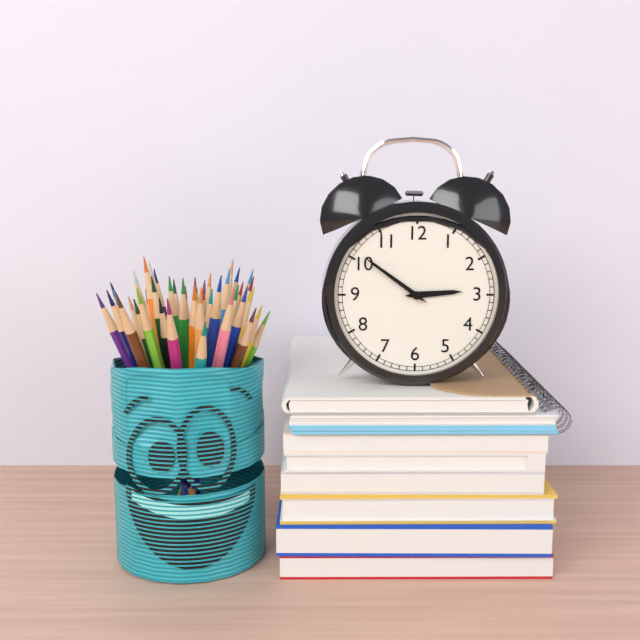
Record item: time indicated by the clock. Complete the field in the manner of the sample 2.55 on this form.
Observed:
2.51
